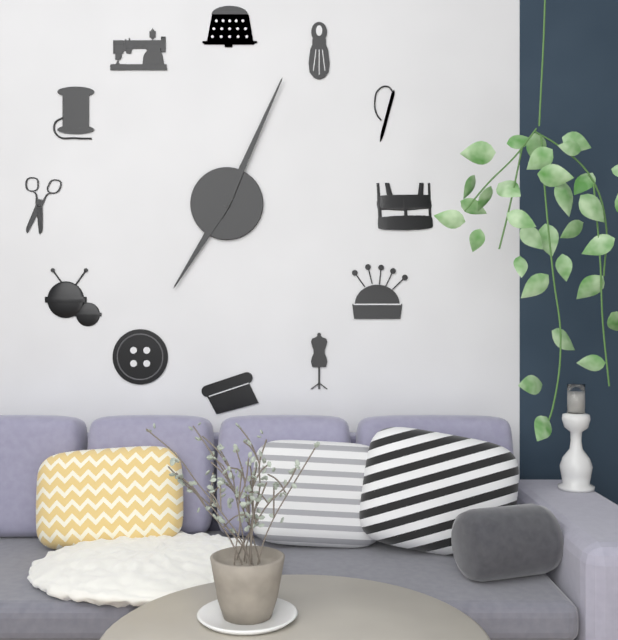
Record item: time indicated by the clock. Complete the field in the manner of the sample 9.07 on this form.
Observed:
7.04
